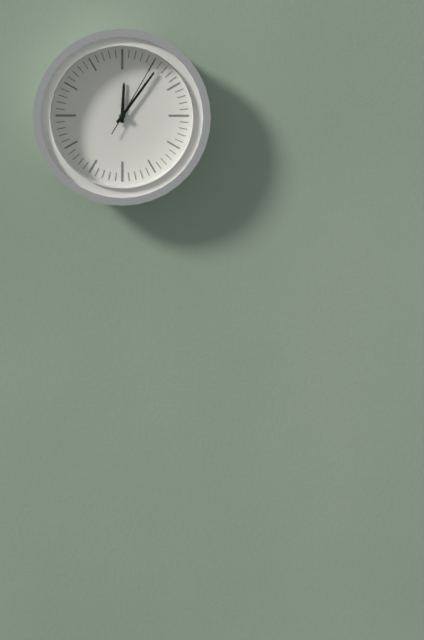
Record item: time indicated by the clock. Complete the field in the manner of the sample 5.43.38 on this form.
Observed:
12.06.05
